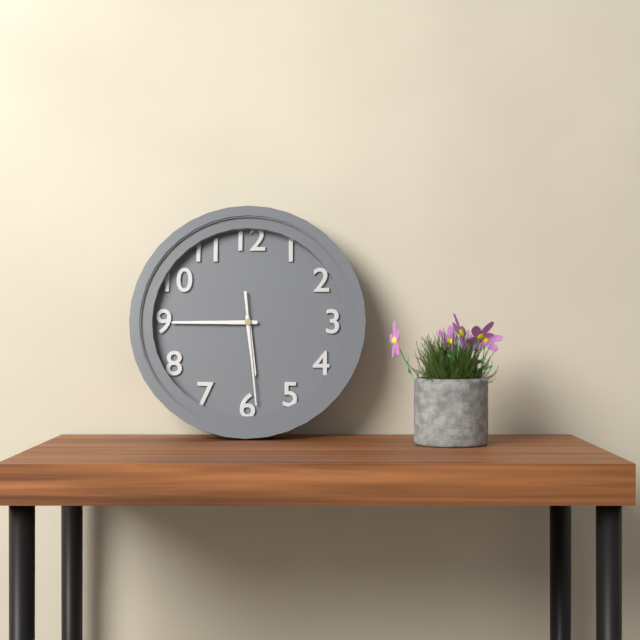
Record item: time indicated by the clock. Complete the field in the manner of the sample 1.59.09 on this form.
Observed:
5.45.29
